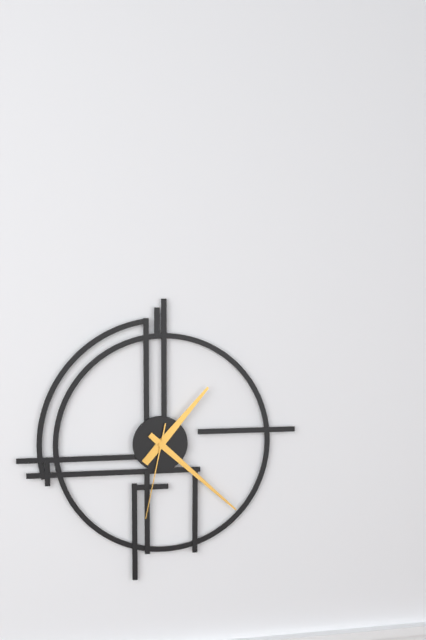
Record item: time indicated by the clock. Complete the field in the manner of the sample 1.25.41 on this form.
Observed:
1.22.32
